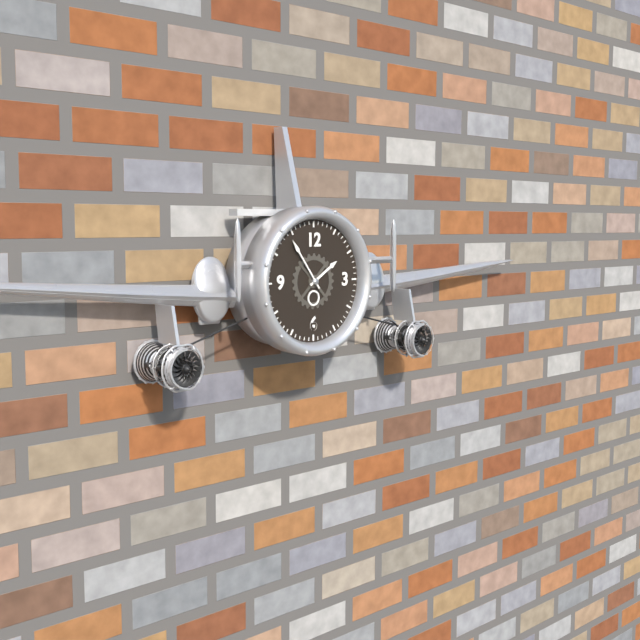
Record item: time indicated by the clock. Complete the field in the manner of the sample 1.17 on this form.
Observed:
1.54
